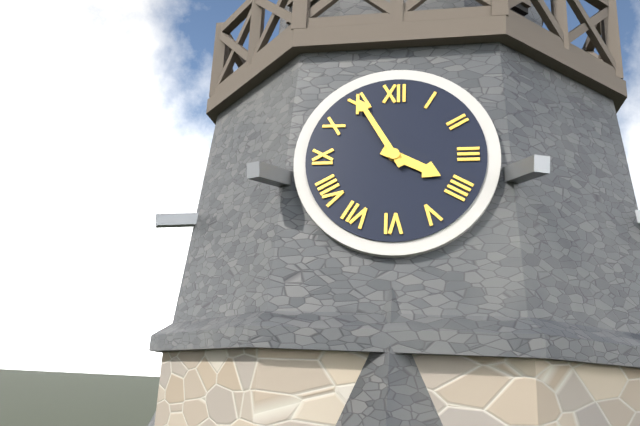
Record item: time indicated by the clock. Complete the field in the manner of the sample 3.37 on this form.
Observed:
3.55
